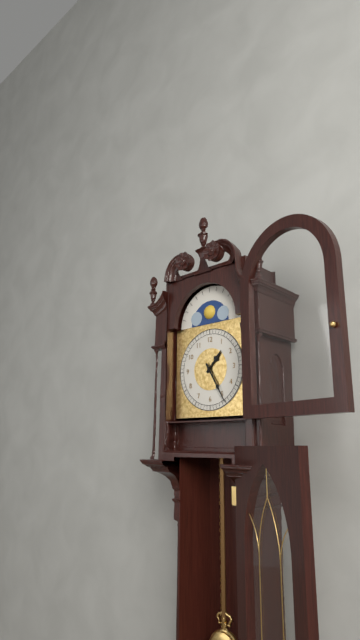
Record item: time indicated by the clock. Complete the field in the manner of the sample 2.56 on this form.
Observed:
1.25
